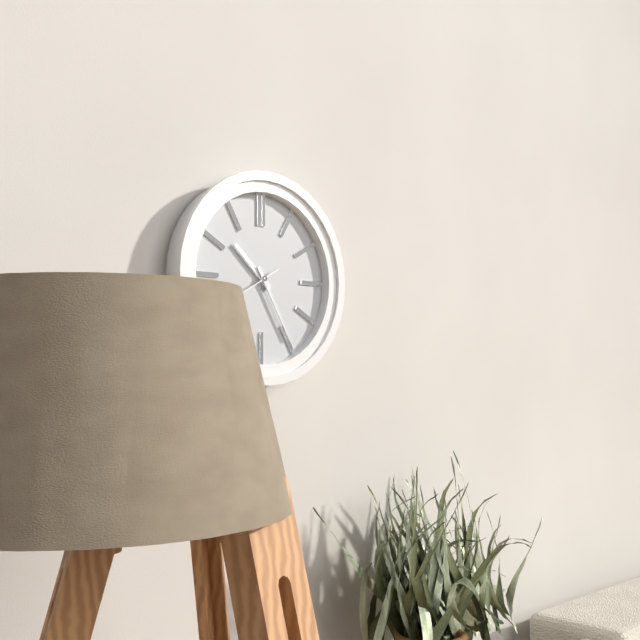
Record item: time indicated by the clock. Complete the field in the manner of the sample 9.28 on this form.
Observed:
10.25
